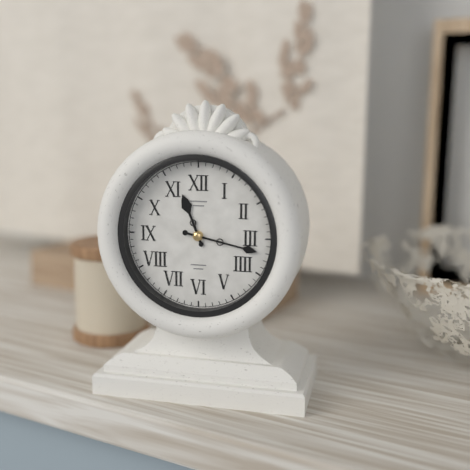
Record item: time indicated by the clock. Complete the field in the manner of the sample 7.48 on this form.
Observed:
11.17
